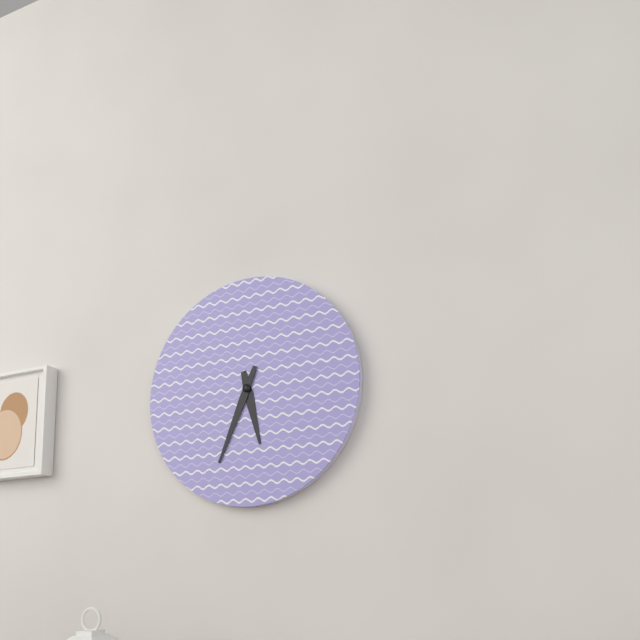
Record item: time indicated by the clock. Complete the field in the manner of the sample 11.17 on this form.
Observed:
5.34
